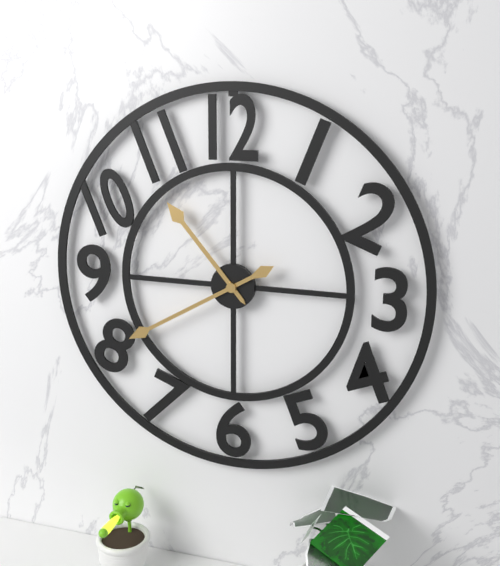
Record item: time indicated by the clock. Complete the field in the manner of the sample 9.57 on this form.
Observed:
10.40
